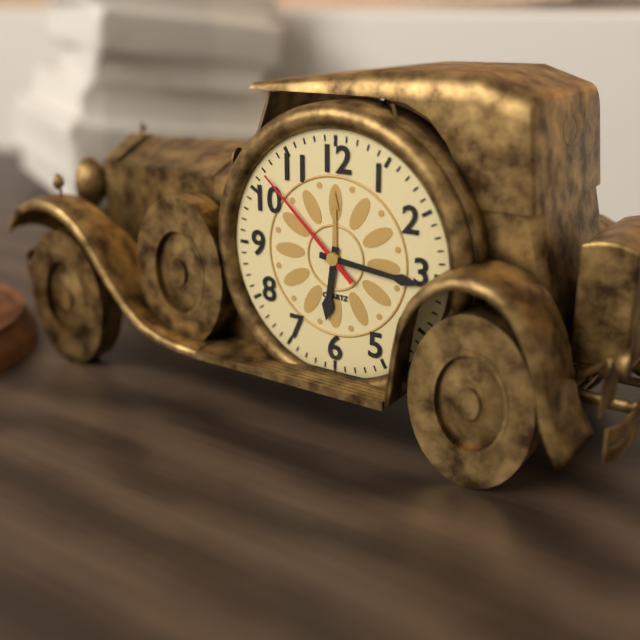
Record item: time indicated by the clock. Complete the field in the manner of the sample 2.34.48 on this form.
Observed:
6.16.52
